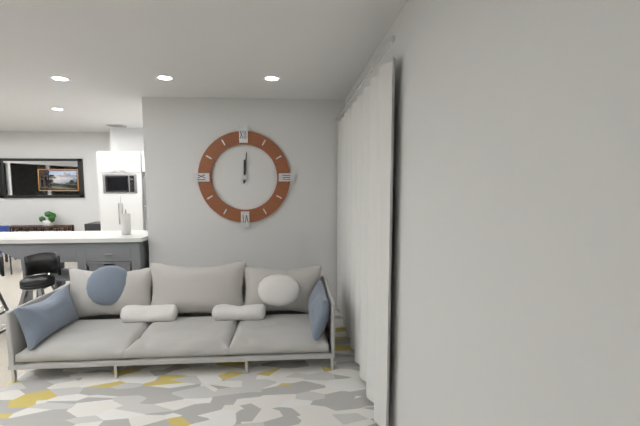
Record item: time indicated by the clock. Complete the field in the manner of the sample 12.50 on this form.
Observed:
12.01
